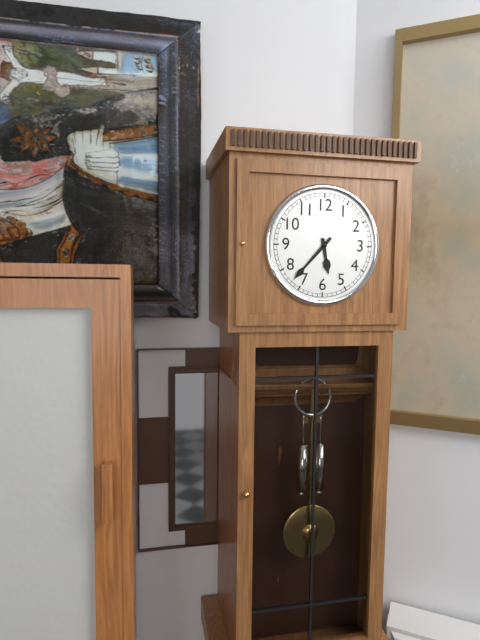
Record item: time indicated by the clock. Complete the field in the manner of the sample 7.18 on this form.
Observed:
5.37
